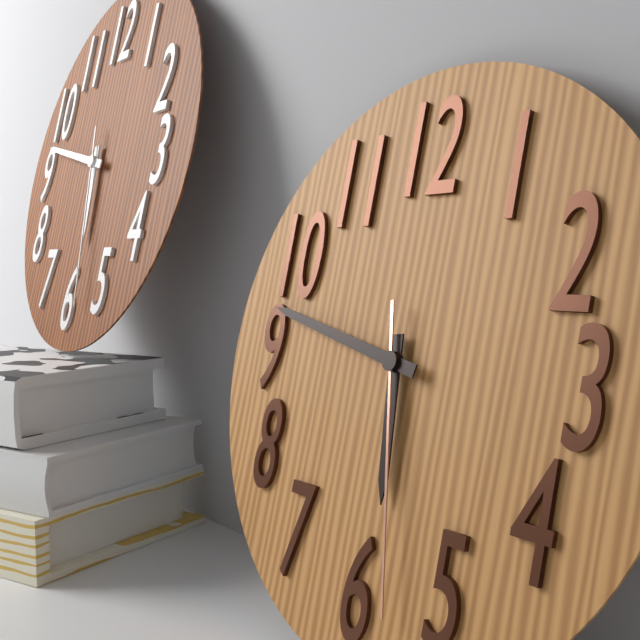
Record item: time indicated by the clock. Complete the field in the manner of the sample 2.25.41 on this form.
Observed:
5.47.28
